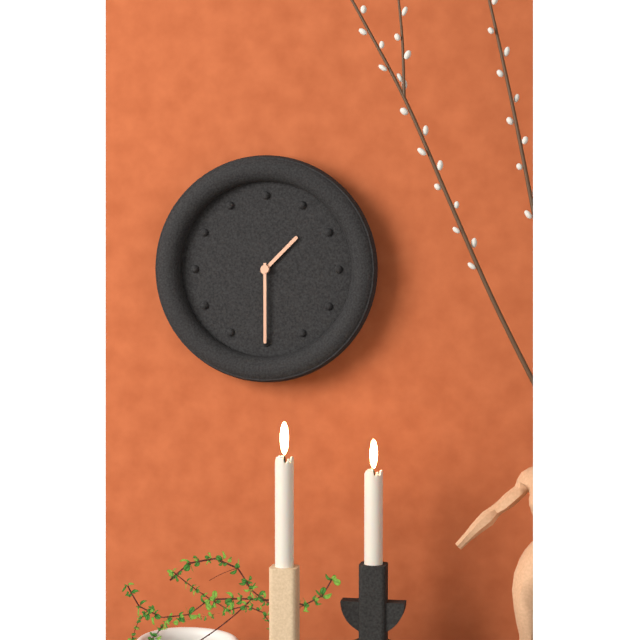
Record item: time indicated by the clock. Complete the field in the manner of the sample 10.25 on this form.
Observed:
1.30
